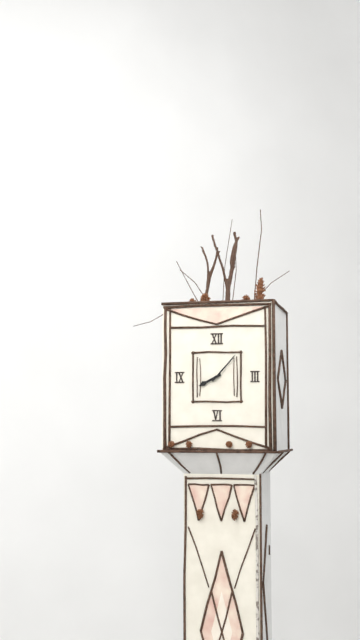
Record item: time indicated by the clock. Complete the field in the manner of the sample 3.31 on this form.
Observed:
8.07
